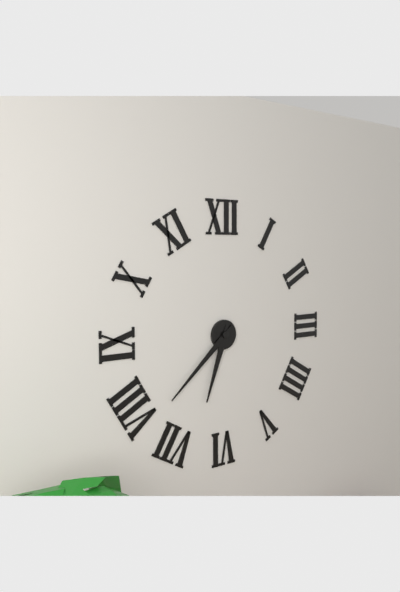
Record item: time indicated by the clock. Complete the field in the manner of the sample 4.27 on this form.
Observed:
6.38
